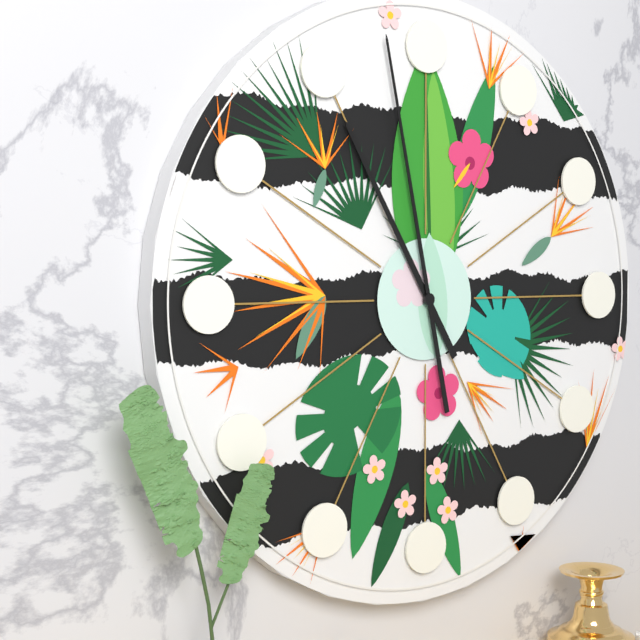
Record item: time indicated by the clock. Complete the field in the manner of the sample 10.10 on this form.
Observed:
10.58
